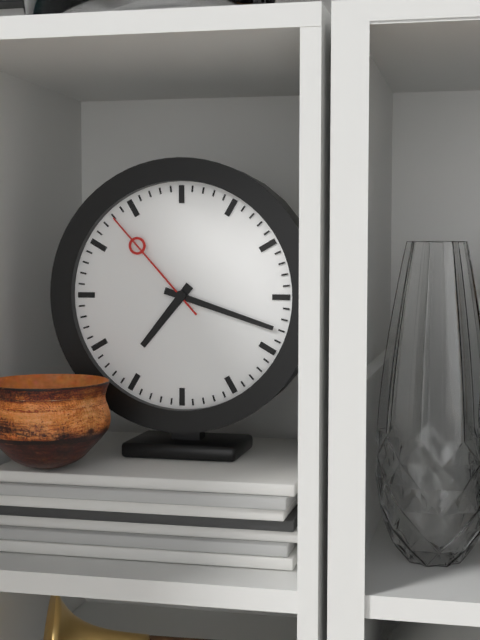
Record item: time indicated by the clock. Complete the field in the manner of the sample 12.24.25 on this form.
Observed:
7.18.53
